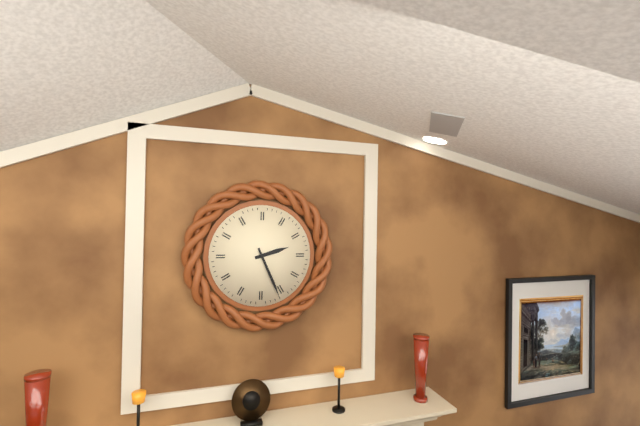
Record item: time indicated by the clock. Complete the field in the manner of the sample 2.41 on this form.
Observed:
2.26
